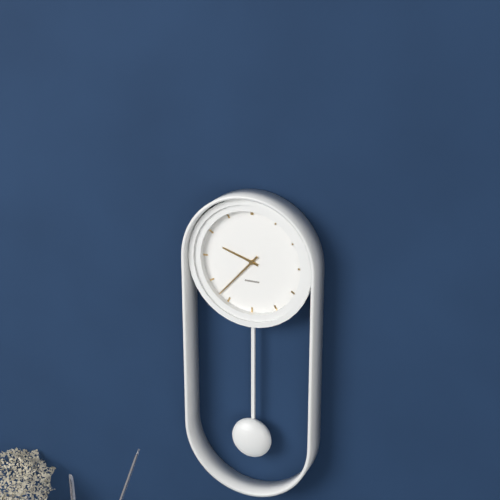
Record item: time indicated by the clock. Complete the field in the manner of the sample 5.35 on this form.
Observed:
9.37
